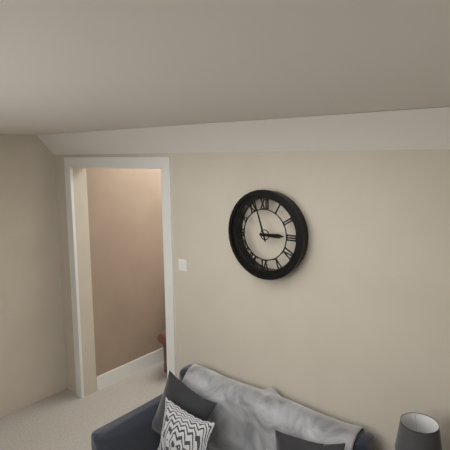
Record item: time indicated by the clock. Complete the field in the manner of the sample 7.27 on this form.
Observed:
2.57
